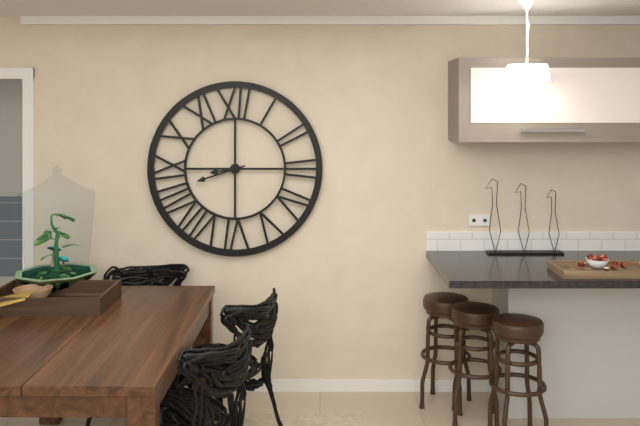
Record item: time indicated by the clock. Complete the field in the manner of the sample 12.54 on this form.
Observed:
8.42
